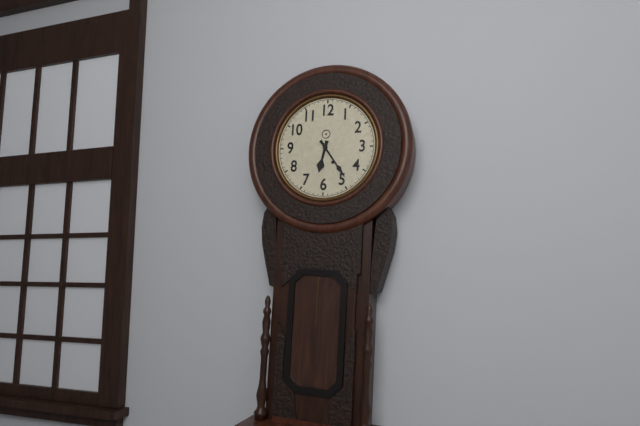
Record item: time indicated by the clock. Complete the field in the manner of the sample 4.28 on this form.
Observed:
6.24
